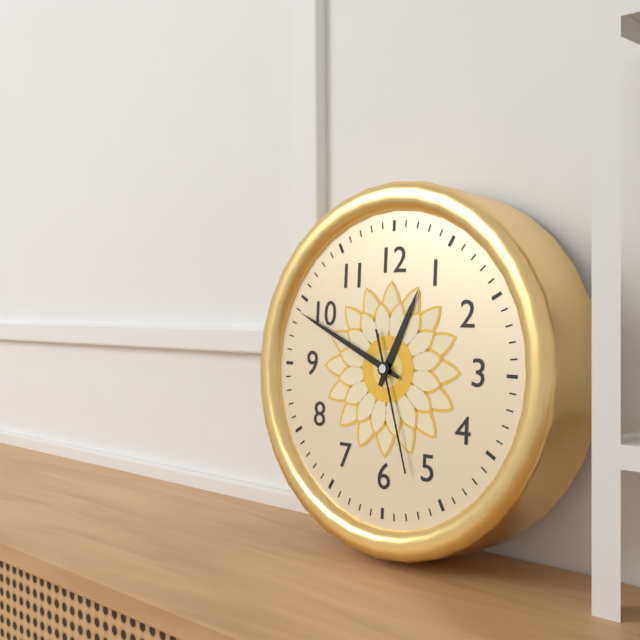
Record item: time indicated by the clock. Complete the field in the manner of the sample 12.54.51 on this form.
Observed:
12.49.27
